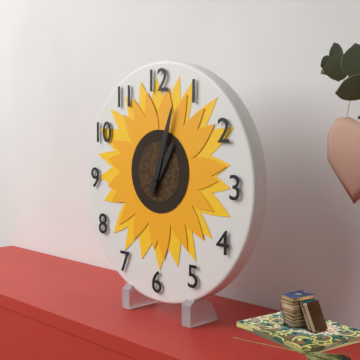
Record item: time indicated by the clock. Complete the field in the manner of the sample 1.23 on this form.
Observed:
1.03
